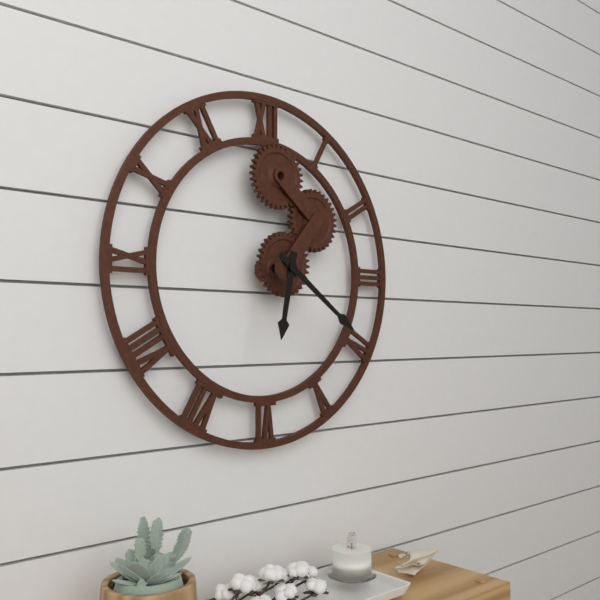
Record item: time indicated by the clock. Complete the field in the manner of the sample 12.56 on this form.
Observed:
6.21
